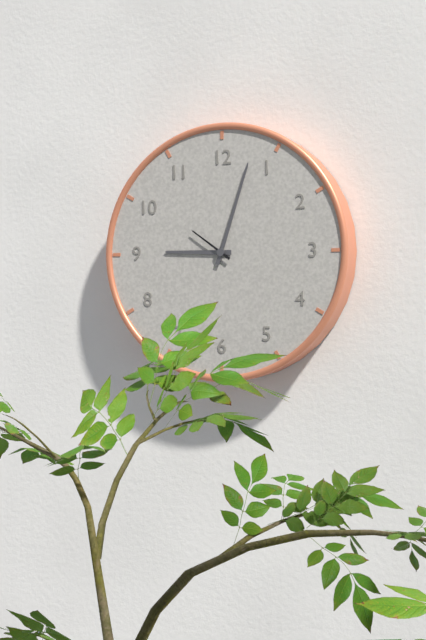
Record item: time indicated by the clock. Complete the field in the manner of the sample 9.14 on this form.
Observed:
9.03
